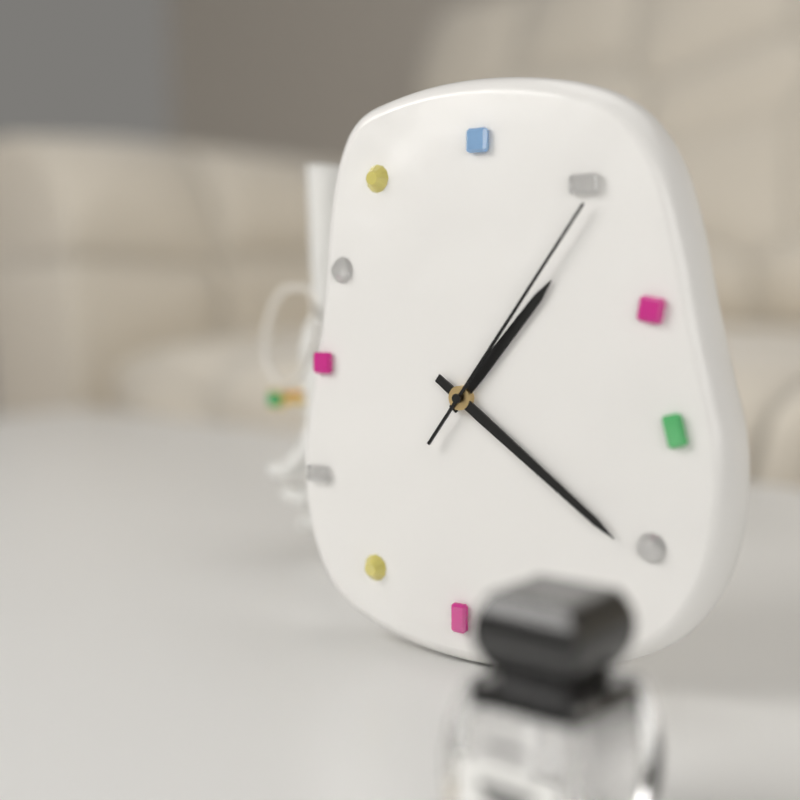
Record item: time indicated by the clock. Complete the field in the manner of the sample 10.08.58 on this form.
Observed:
1.21.06
